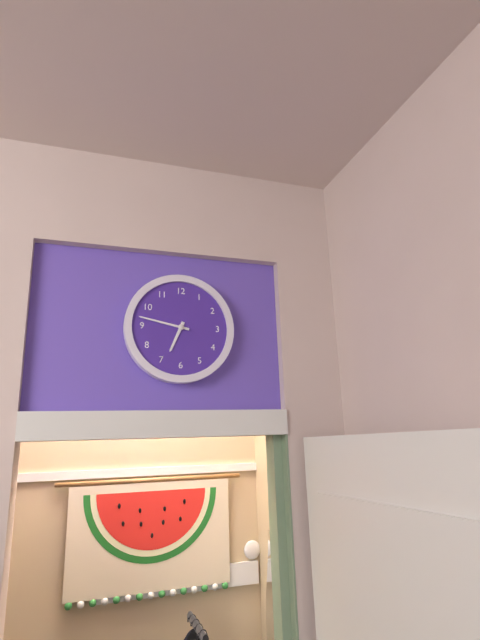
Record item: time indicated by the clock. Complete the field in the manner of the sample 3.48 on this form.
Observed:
6.47
